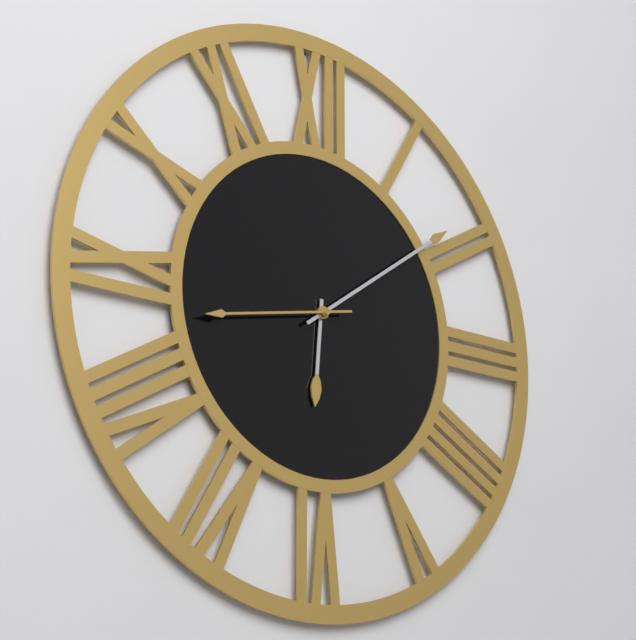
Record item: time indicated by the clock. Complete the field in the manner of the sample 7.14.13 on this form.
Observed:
6.09.43
